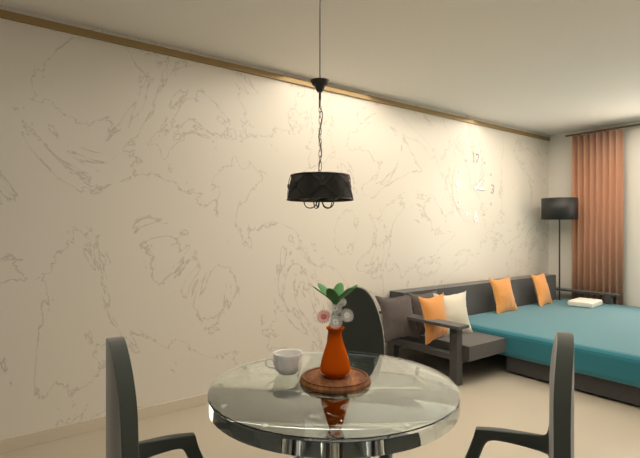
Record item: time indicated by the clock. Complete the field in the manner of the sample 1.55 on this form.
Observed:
3.08
